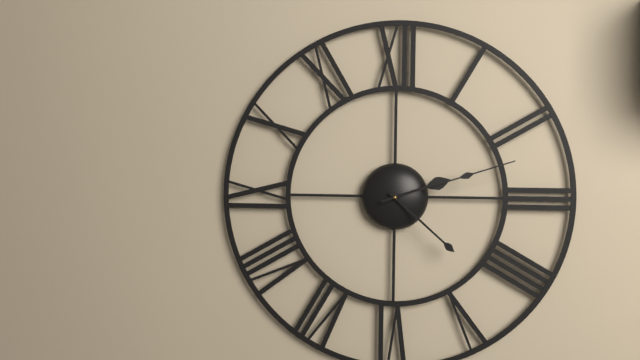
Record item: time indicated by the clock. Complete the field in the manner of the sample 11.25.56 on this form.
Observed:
2.22.12
